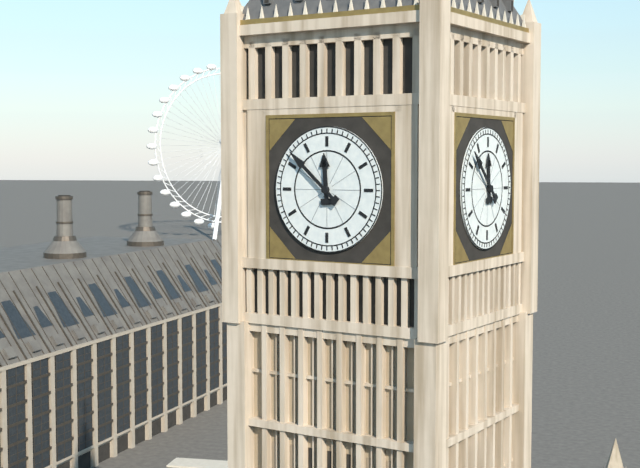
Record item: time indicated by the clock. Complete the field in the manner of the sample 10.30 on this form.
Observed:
11.52
